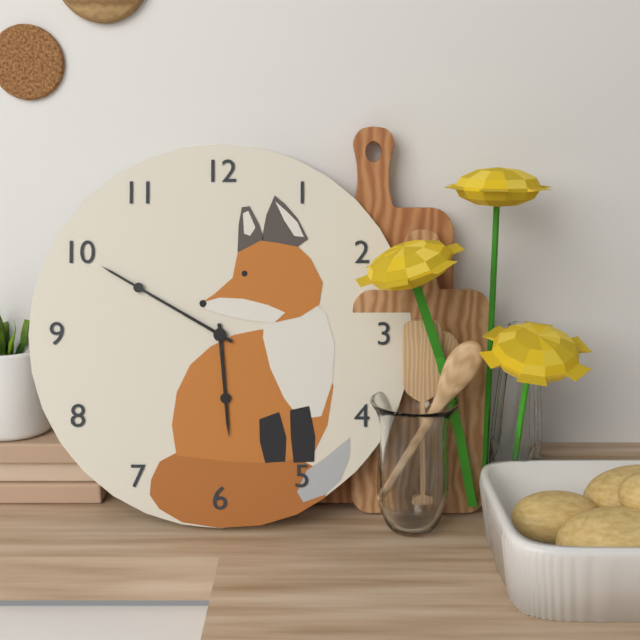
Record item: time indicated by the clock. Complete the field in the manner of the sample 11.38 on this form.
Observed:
5.50
